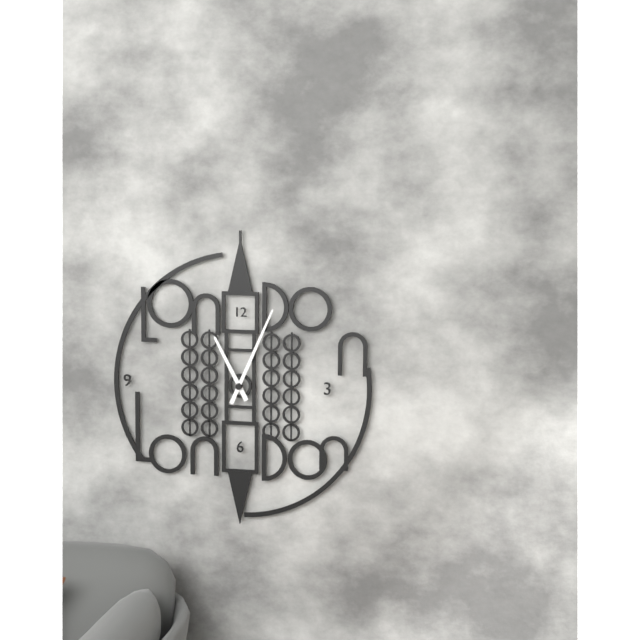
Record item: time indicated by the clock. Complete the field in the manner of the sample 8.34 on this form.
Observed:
11.04
